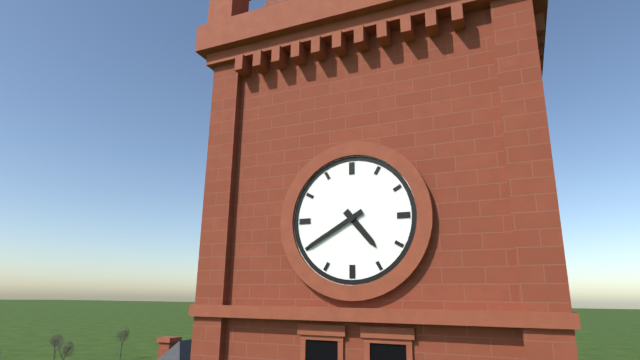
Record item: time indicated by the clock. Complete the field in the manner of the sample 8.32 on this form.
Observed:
4.40
